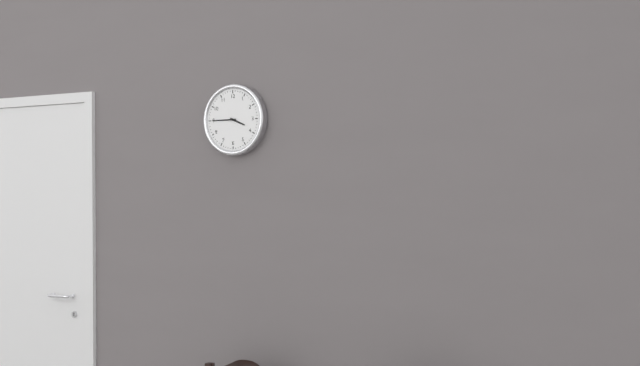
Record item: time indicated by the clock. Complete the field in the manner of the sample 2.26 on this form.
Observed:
3.45
